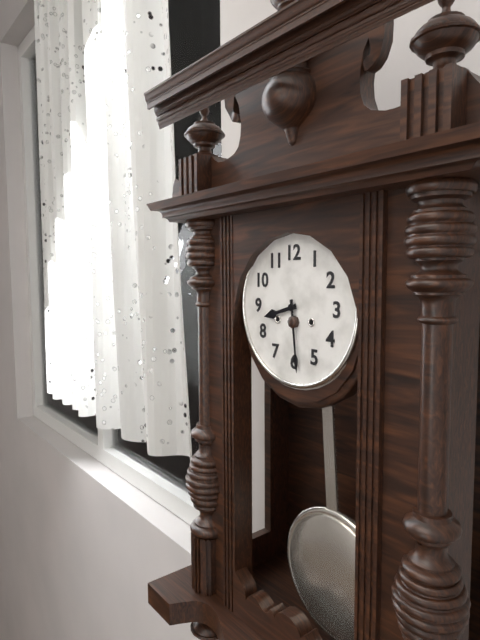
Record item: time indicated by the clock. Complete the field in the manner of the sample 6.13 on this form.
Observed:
8.29
